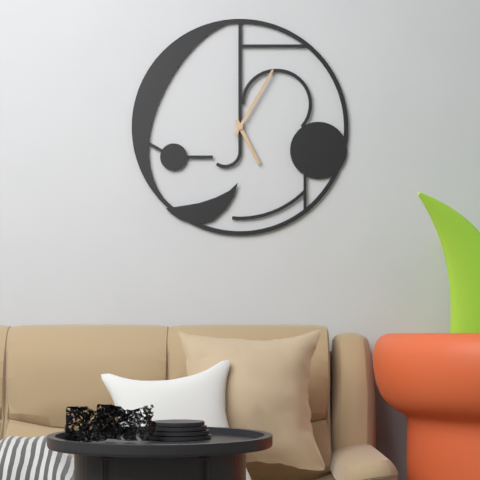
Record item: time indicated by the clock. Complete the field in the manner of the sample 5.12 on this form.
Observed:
5.05
